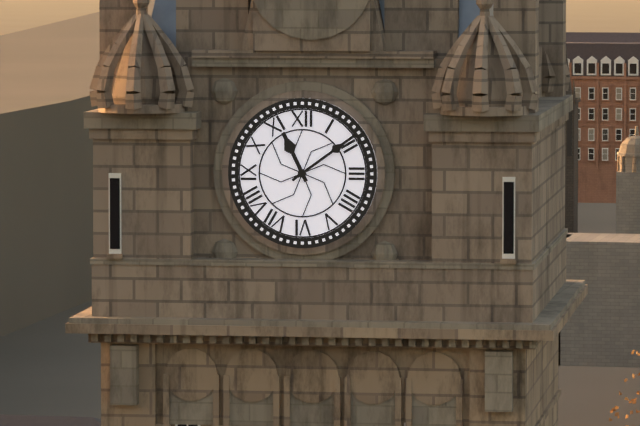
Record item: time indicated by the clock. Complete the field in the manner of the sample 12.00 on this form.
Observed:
11.09
